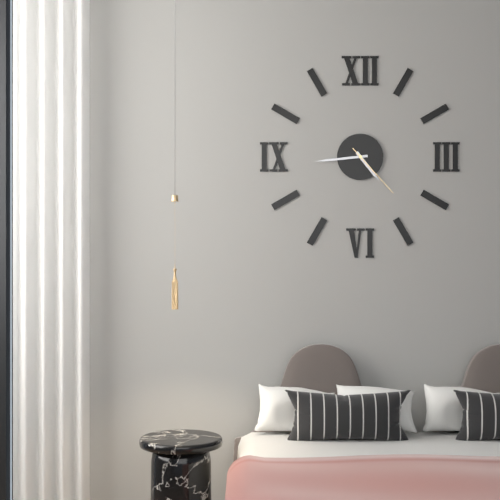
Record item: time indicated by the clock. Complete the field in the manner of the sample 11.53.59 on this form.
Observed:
4.44.23
